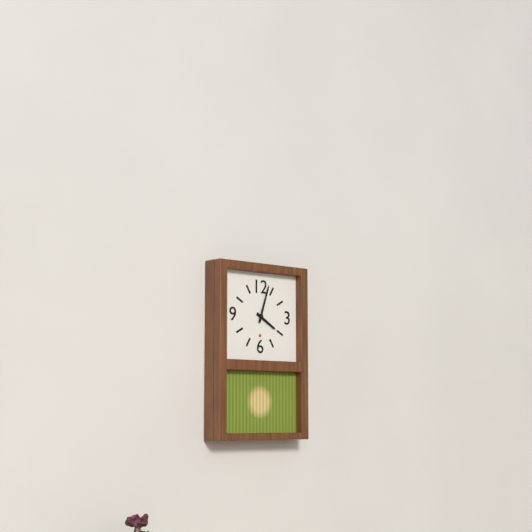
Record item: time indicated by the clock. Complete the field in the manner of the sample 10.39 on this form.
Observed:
4.03
